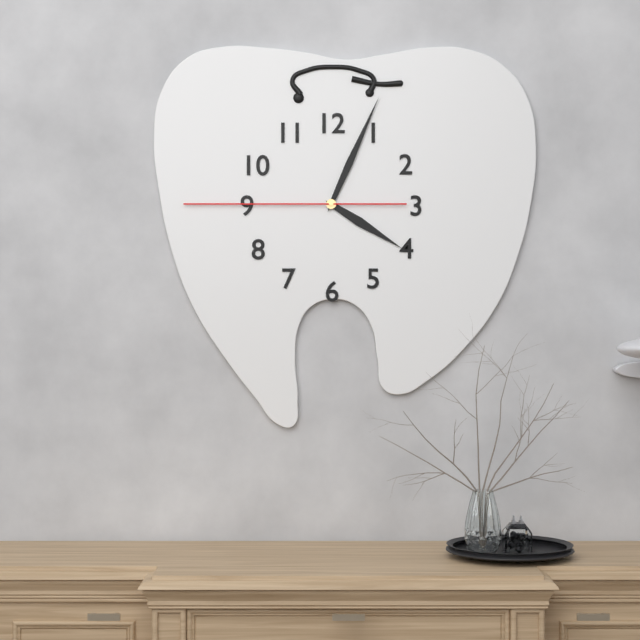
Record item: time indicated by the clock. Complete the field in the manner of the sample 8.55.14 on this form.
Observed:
4.04.45
